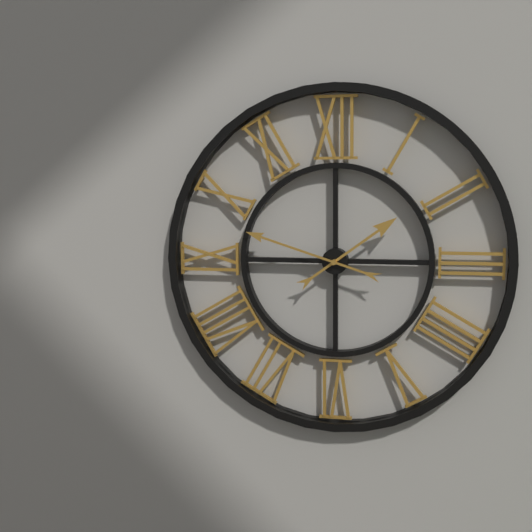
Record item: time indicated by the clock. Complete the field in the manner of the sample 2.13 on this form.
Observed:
1.48
